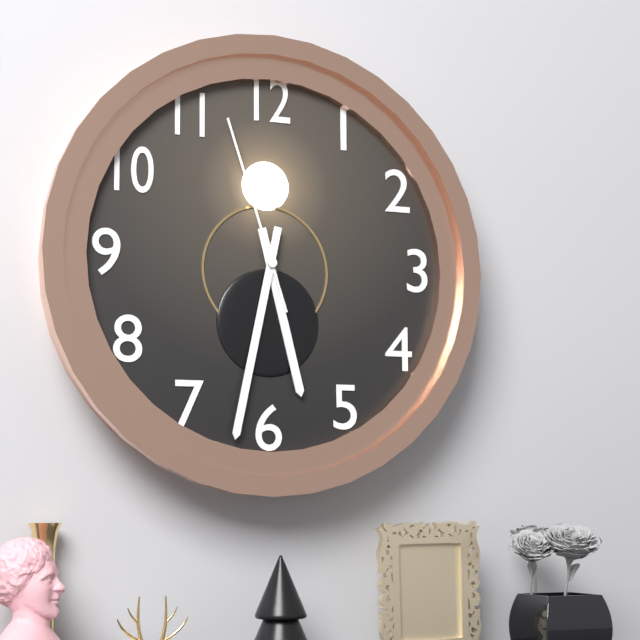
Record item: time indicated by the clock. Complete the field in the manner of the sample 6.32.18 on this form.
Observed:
5.32.57
